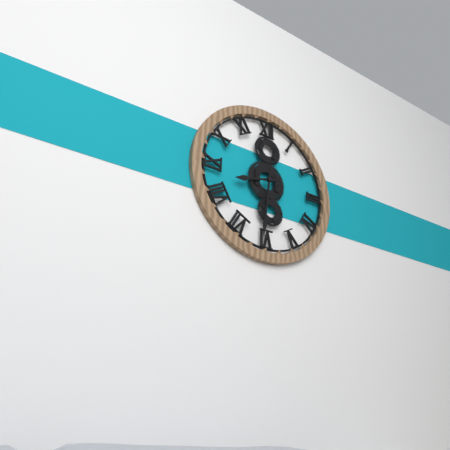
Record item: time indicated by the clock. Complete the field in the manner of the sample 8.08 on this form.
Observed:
8.31
